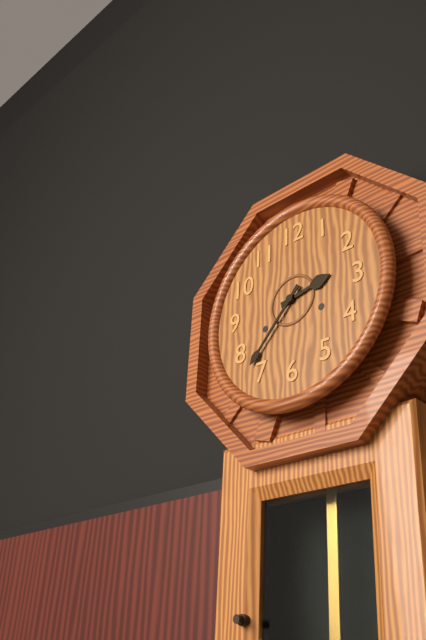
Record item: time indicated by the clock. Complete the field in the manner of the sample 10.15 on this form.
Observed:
2.37
